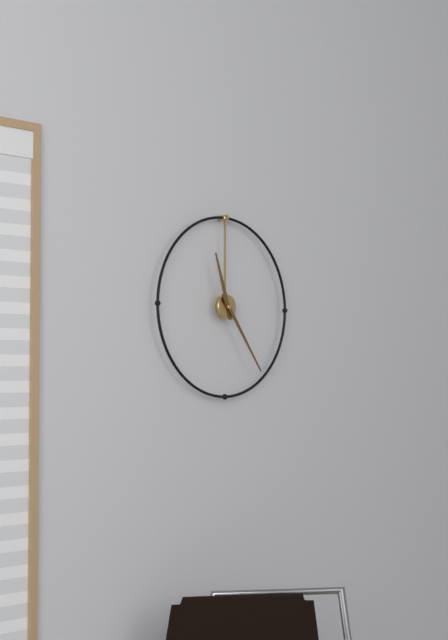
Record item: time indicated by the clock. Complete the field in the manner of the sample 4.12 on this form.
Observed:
11.24
